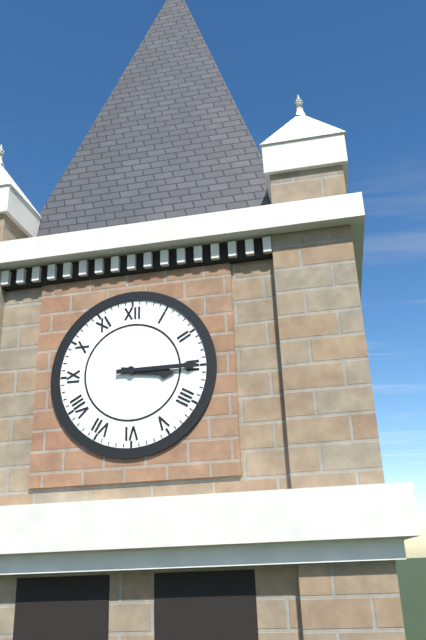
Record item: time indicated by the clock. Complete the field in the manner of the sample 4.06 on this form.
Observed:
3.15
